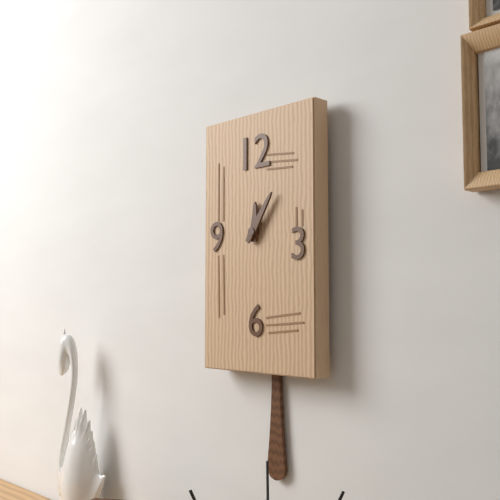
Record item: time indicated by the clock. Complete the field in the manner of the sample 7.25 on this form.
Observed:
12.06
